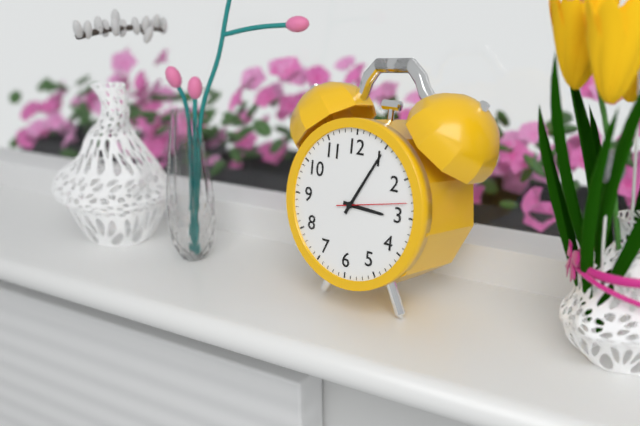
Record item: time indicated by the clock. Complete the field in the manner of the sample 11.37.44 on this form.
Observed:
3.05.13
